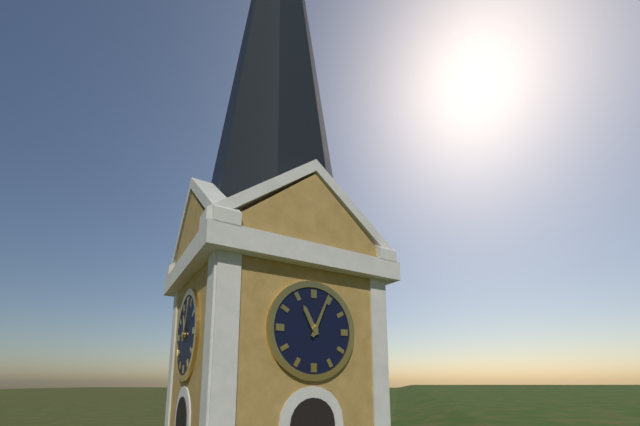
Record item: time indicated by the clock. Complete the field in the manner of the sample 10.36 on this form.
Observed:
11.04
